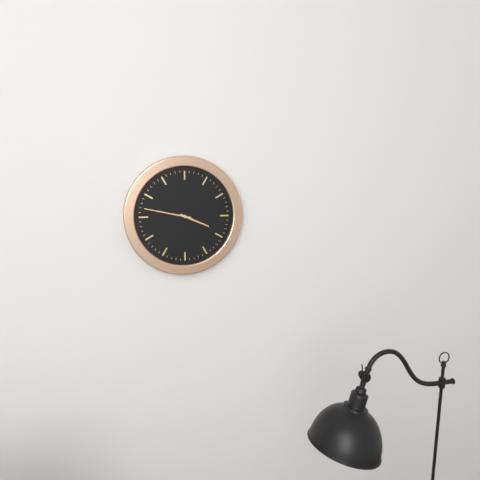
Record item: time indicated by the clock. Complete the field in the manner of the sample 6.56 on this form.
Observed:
3.47
